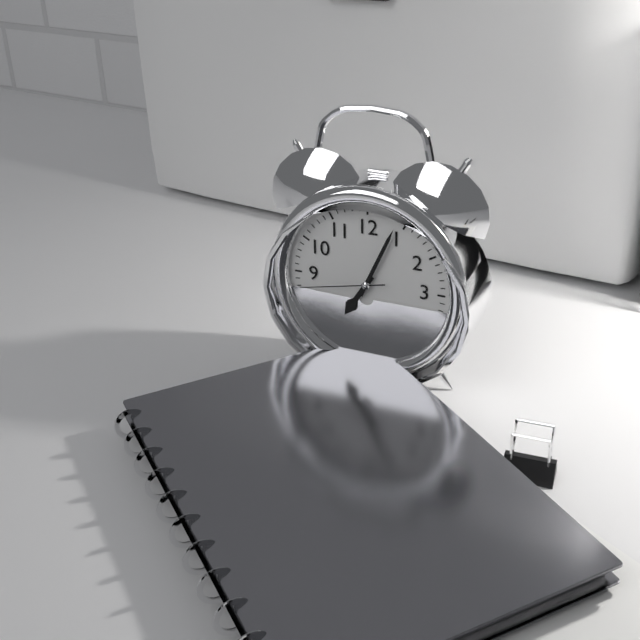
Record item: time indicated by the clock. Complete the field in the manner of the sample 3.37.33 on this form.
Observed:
7.04.43
